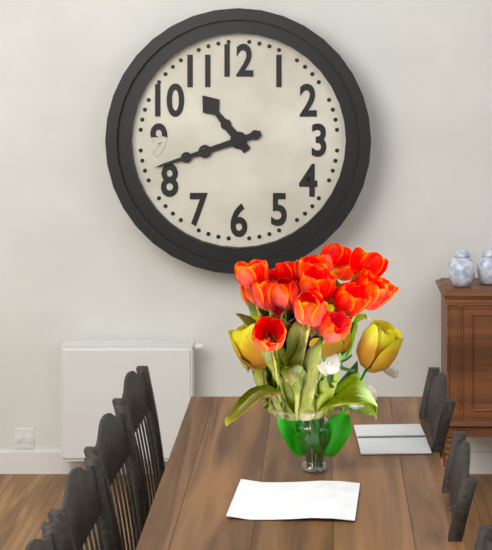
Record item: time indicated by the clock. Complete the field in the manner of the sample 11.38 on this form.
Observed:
10.42
